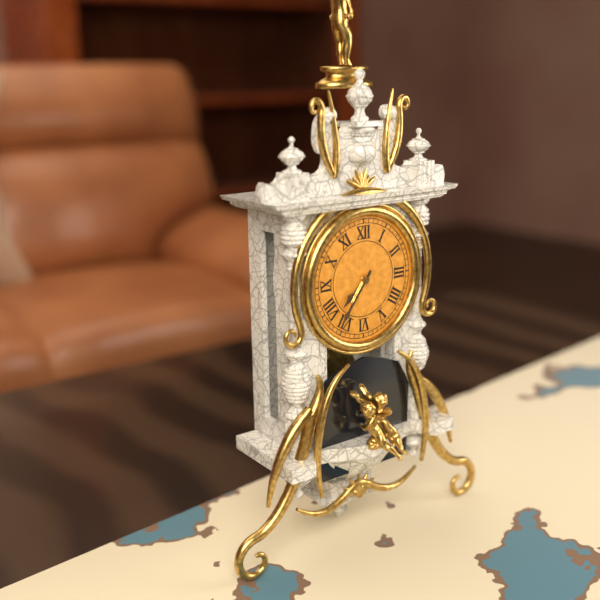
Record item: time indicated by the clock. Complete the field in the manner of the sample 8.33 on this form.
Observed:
7.36
